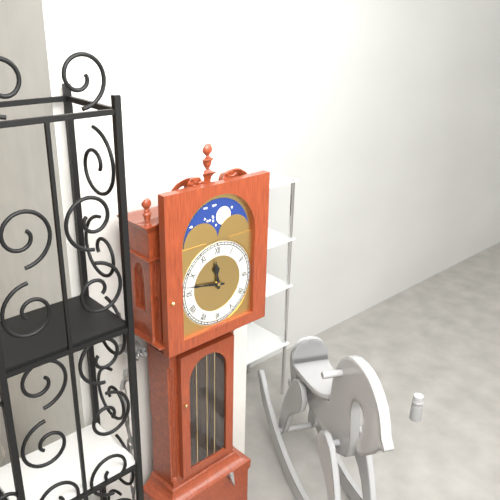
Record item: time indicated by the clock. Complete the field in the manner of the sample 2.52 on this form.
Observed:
11.47
